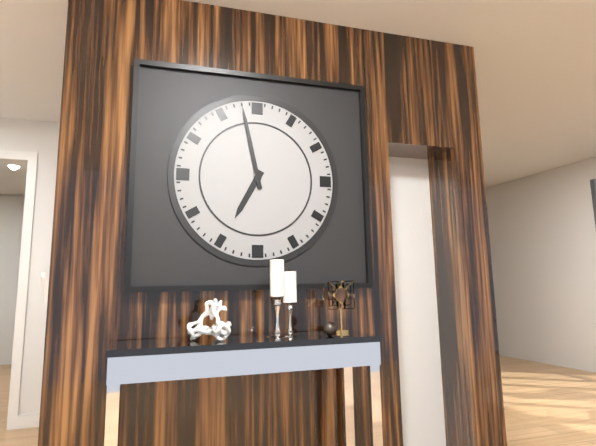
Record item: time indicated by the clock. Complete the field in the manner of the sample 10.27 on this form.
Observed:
6.58
